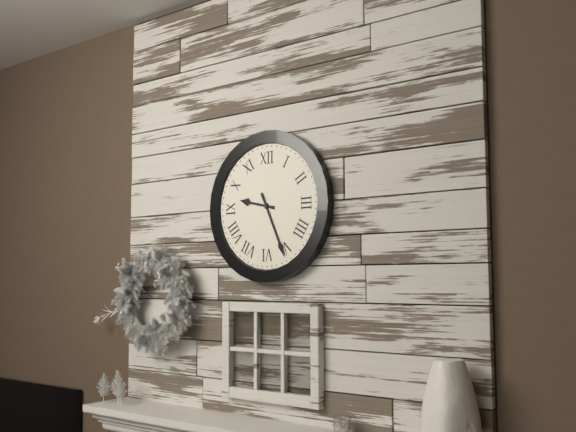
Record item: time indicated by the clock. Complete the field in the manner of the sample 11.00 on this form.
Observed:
9.26
